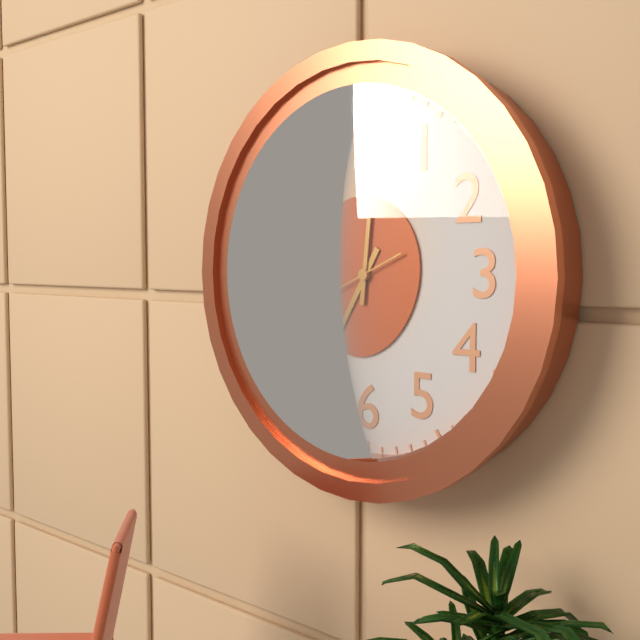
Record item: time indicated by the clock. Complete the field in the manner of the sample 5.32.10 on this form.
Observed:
7.01.41
